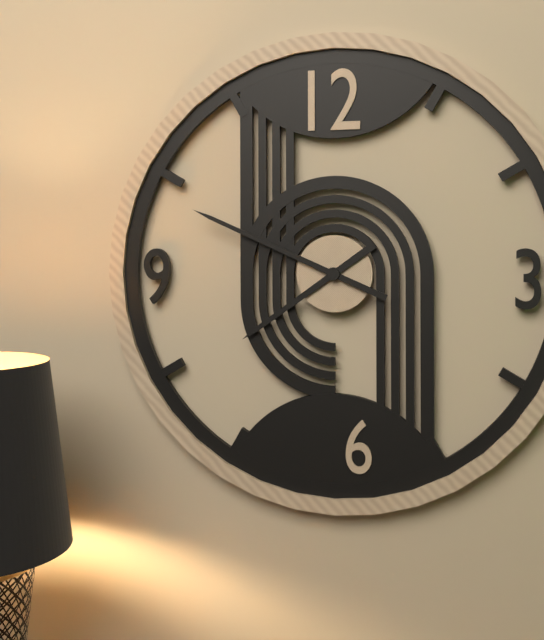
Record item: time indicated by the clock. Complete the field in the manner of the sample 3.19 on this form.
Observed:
7.49
